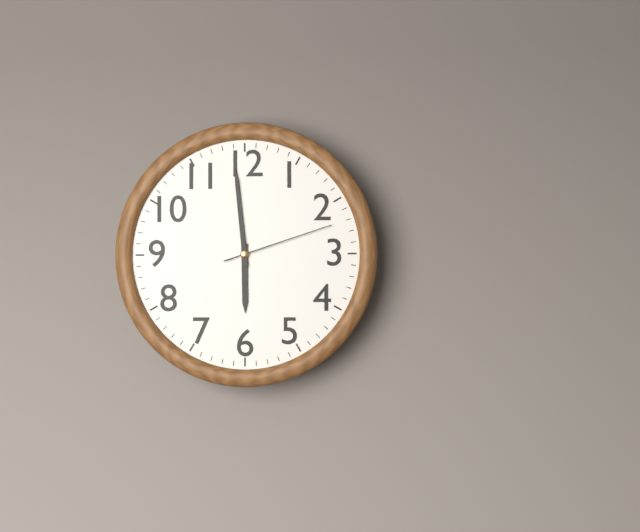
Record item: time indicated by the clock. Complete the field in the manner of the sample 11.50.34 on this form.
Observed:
5.59.12
